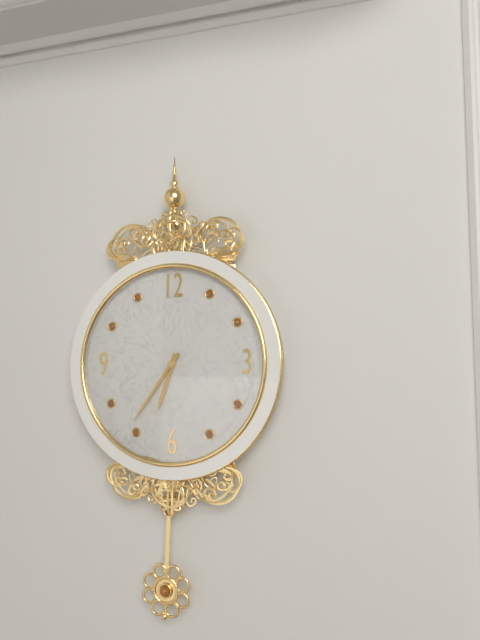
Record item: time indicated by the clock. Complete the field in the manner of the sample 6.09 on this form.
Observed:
6.36
